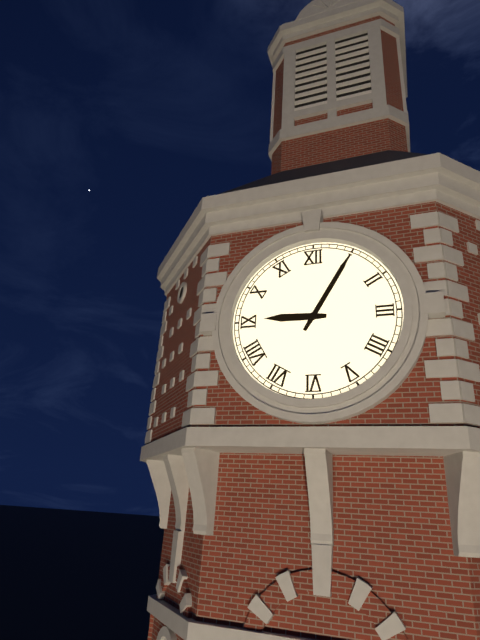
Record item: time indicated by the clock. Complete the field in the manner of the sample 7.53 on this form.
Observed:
9.05
